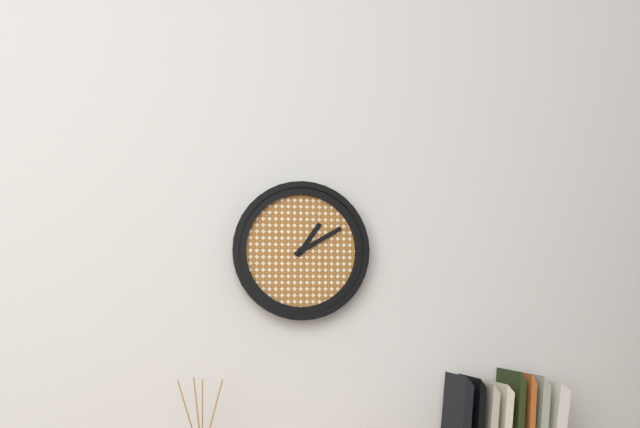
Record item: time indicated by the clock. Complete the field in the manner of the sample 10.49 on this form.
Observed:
1.10
